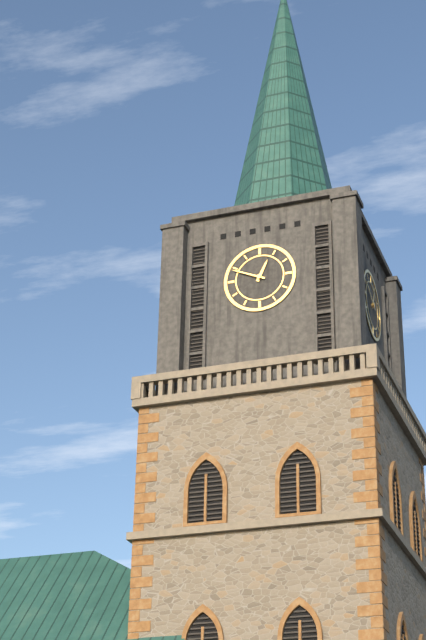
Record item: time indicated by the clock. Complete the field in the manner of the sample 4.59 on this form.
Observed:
12.49
